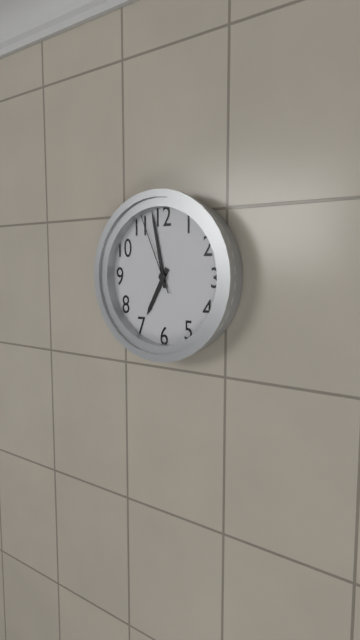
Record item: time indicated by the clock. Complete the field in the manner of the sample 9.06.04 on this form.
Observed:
6.58.56
